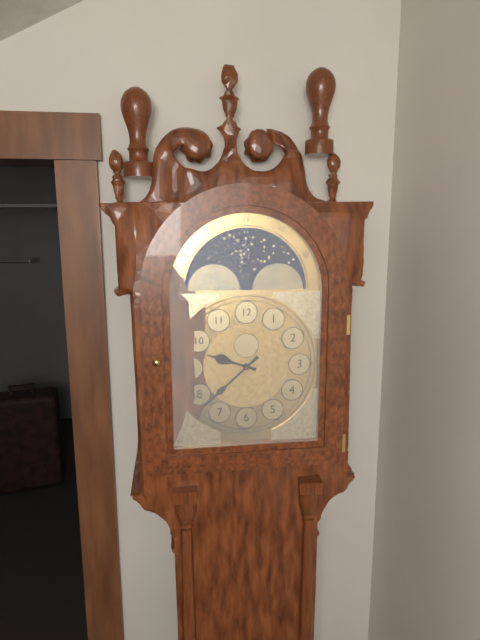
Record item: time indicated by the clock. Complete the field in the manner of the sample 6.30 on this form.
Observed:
9.38
